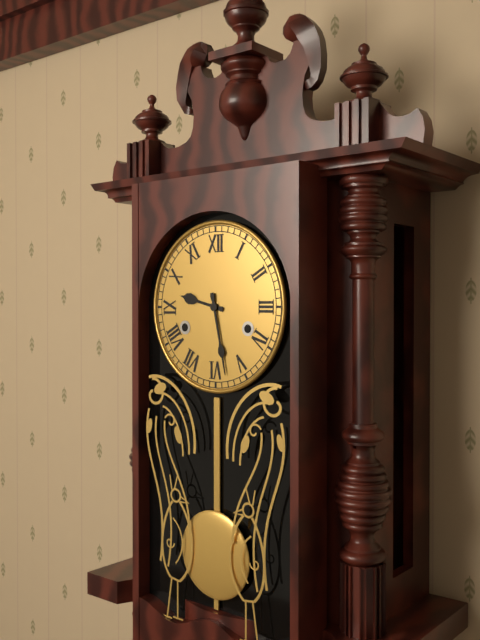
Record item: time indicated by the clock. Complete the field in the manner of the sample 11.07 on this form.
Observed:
9.28
